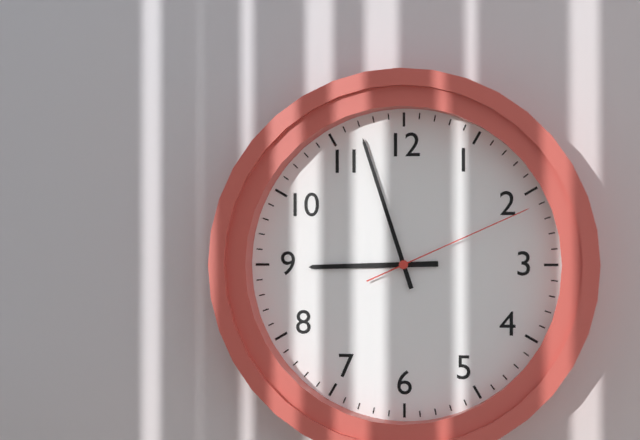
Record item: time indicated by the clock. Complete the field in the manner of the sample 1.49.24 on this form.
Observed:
8.57.11
